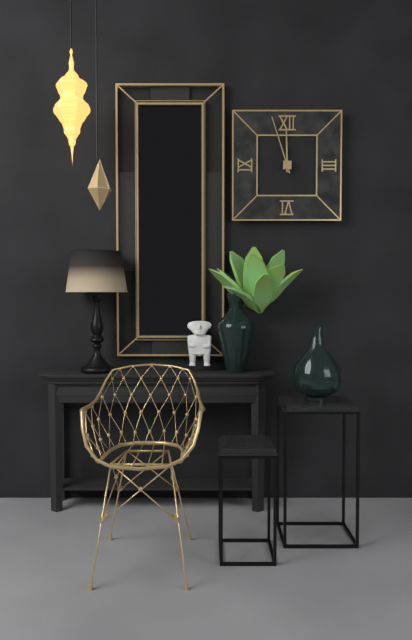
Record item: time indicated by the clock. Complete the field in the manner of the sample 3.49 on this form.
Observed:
11.57
